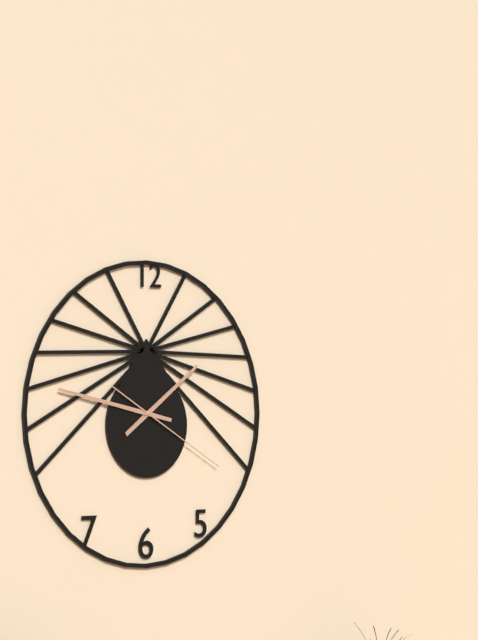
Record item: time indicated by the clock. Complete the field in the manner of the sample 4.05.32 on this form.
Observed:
1.47.20
